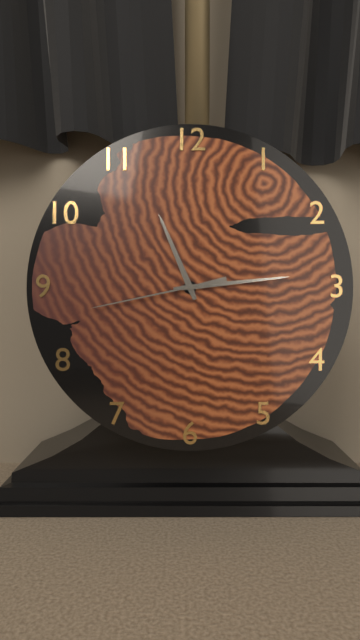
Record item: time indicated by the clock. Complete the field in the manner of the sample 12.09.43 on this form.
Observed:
11.14.43
